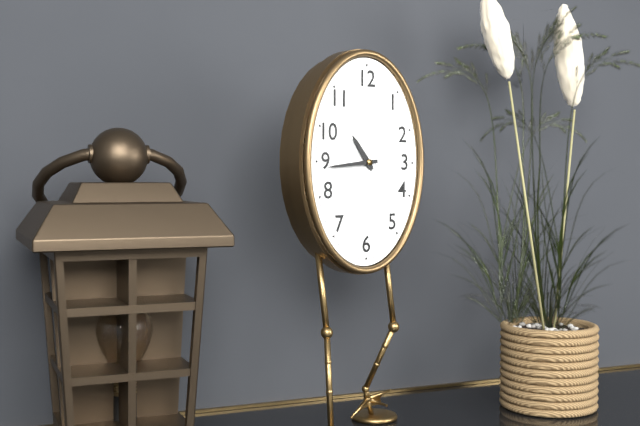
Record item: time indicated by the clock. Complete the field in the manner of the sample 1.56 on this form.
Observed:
10.44
